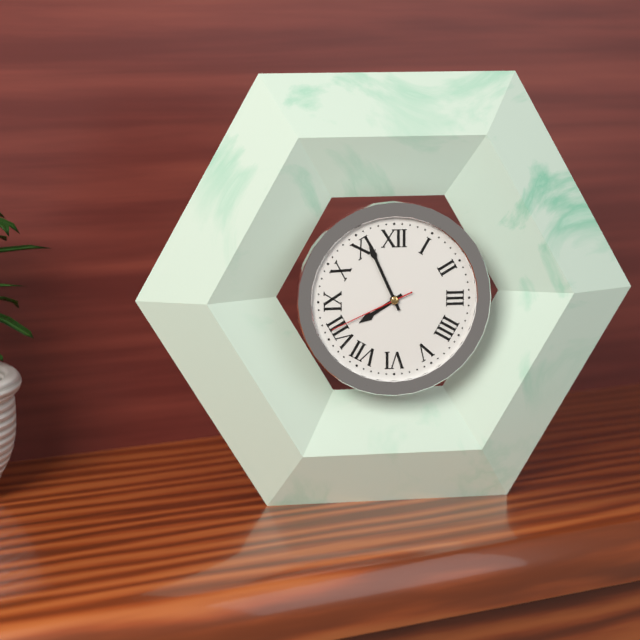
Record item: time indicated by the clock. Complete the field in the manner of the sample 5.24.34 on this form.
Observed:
7.56.41
